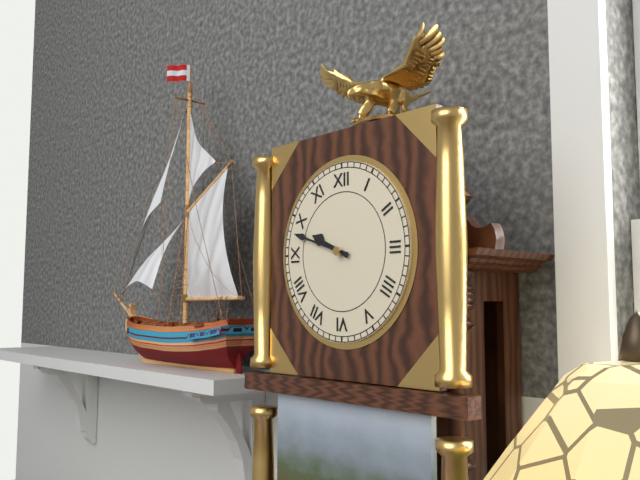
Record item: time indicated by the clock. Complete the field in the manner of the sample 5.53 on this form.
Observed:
9.48
